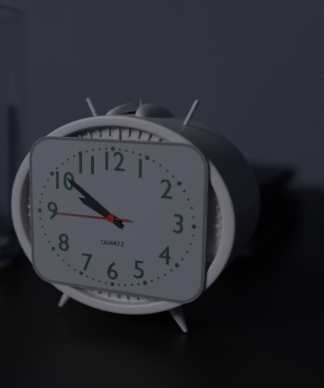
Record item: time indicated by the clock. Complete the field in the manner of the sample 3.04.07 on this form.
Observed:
9.51.45
